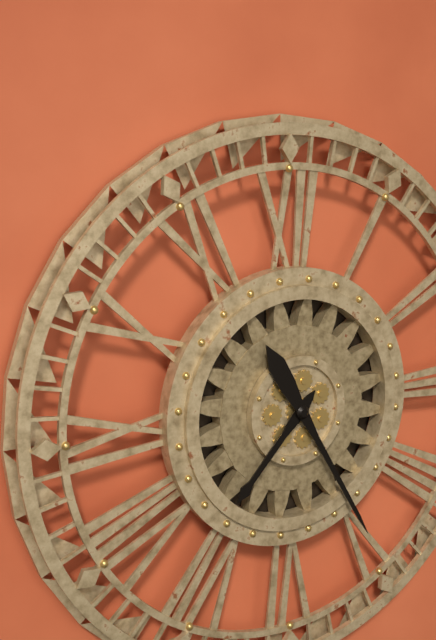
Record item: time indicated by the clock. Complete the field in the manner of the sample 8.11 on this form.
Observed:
7.25
